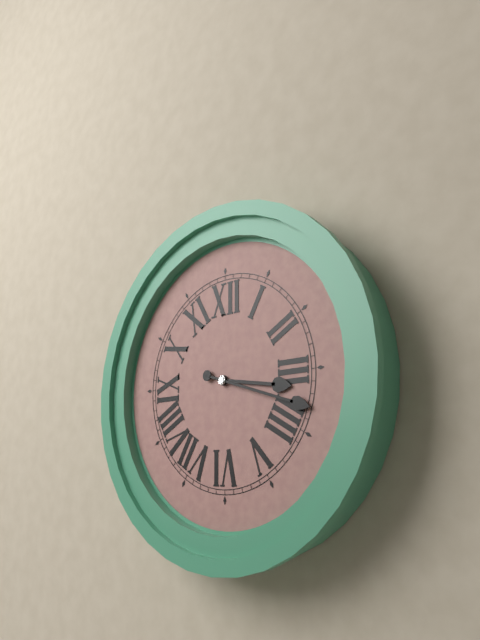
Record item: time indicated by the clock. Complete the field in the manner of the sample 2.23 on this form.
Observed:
3.18
